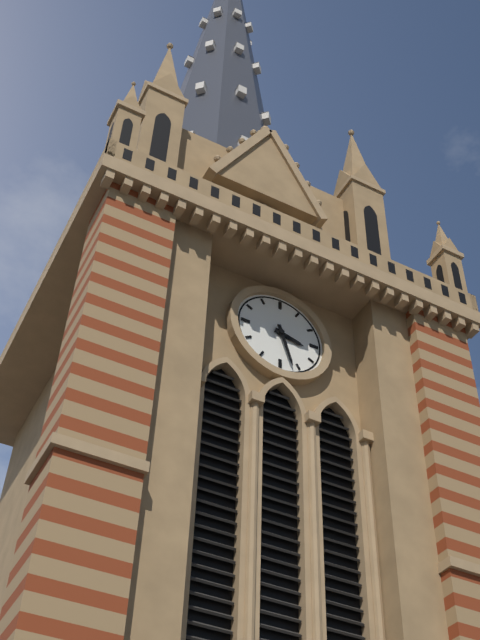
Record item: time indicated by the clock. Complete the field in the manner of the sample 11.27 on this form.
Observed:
3.27
